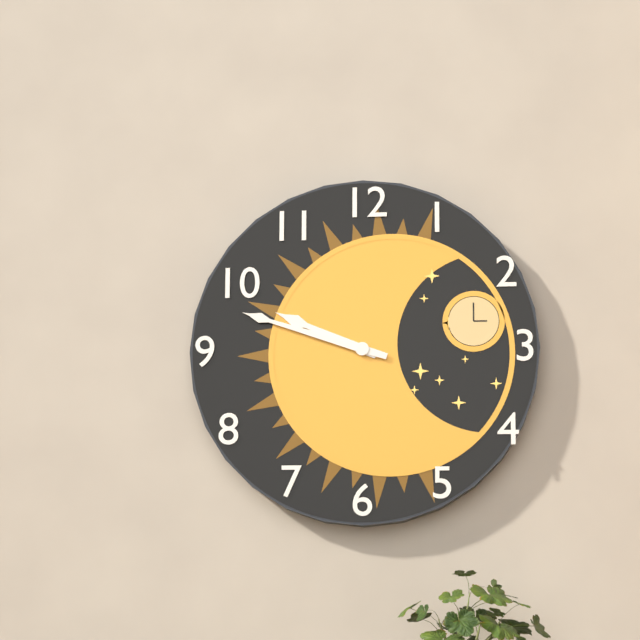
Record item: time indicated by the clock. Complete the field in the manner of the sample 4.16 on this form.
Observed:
9.48
